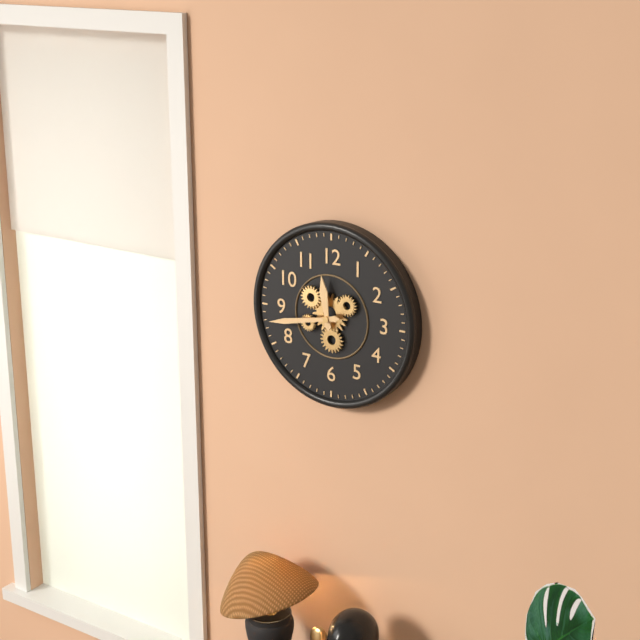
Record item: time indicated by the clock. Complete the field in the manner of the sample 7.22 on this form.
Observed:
11.43
